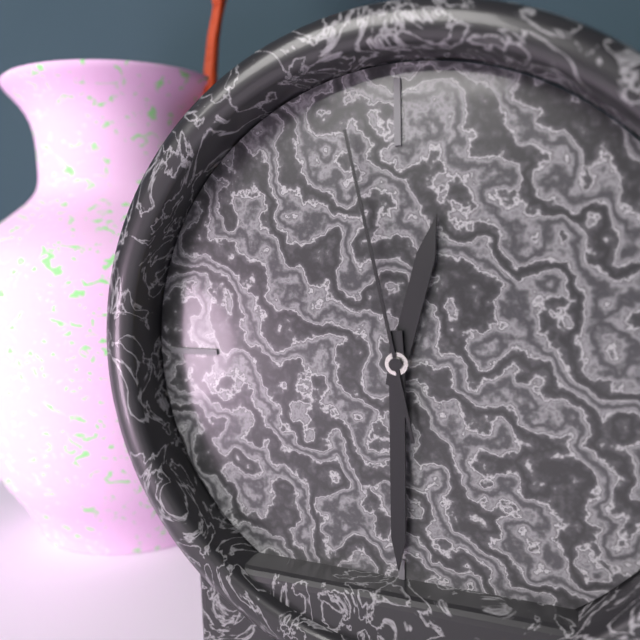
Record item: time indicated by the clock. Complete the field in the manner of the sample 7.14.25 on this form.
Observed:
12.30.58
